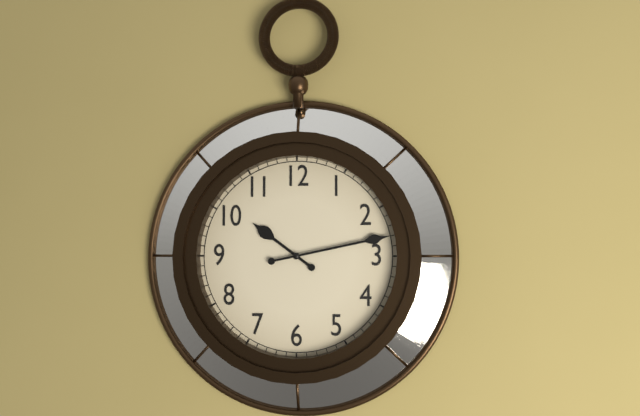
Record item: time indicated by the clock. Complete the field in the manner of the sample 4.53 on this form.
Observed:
10.13
